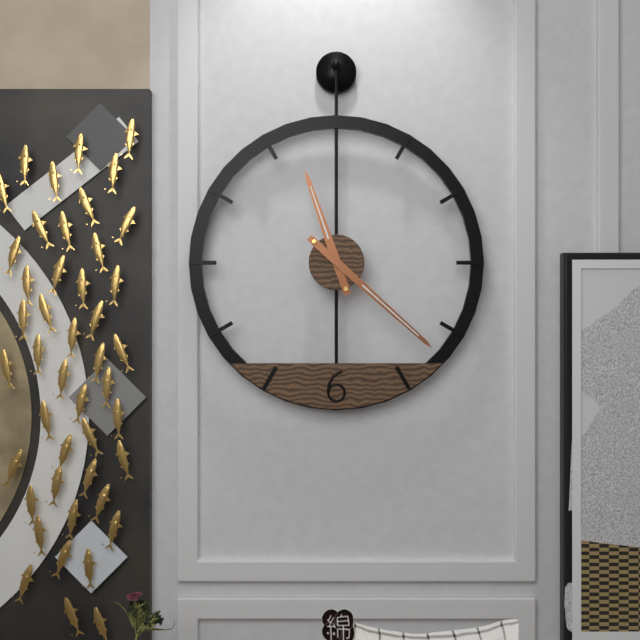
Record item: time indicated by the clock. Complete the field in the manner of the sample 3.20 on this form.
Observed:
11.22
